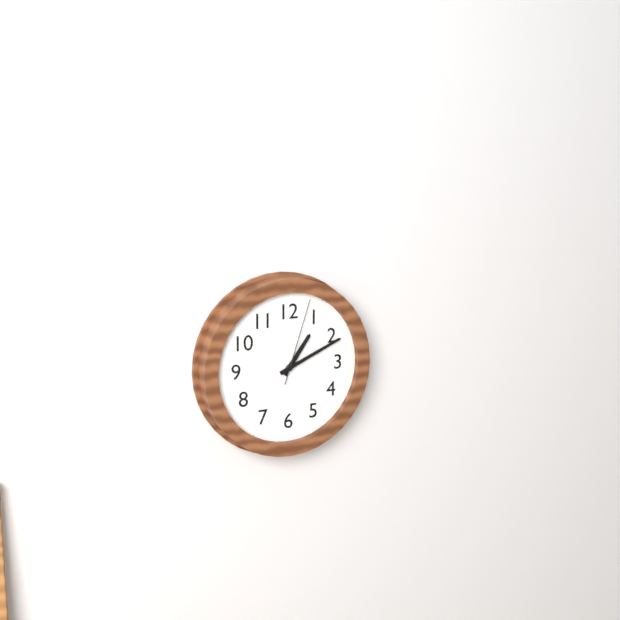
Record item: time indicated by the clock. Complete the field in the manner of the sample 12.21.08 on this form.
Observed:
1.11.03
